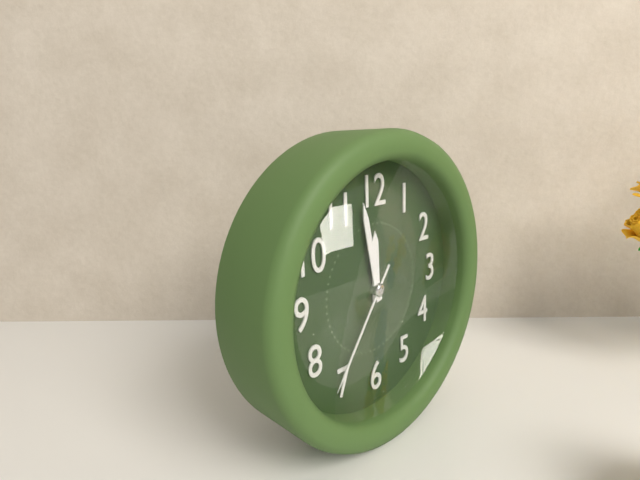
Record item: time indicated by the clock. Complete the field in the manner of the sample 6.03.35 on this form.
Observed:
11.58.36
